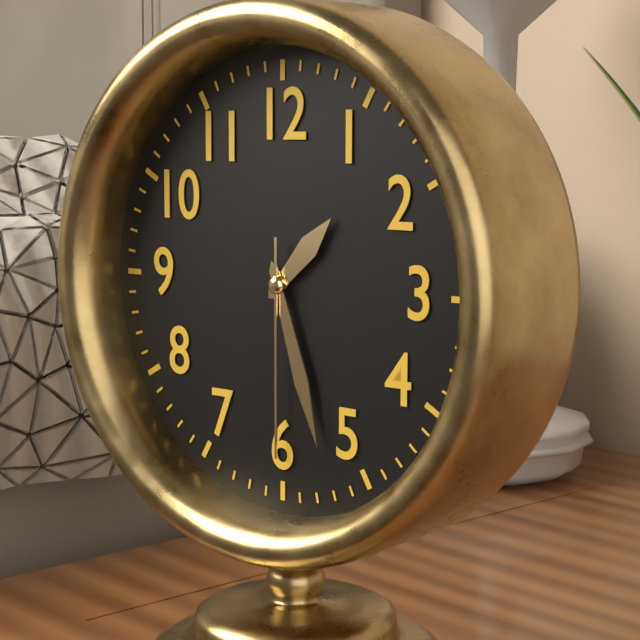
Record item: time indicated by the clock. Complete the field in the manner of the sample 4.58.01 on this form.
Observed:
1.27.30
